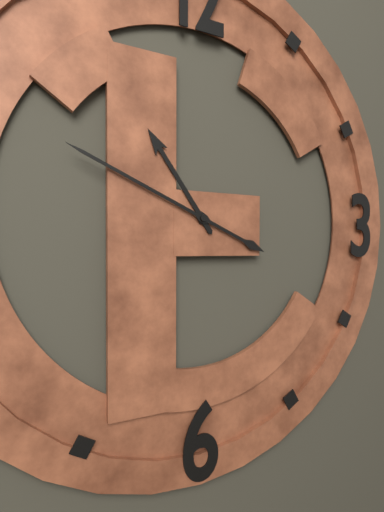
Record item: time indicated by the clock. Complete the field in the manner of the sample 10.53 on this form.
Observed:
10.49
